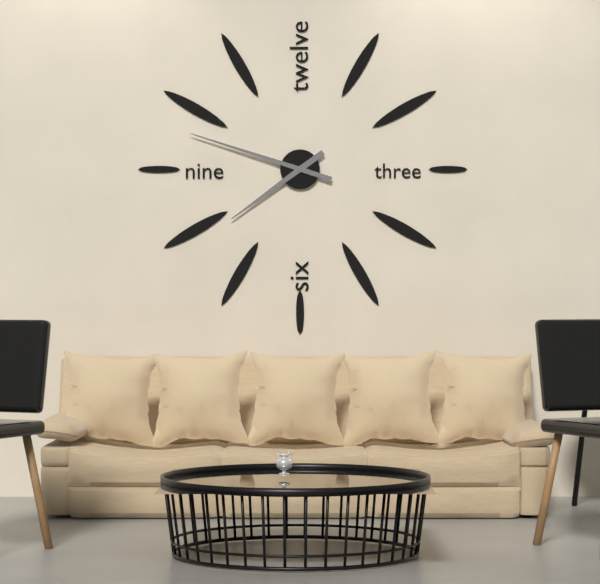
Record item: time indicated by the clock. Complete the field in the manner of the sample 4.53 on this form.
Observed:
7.48
